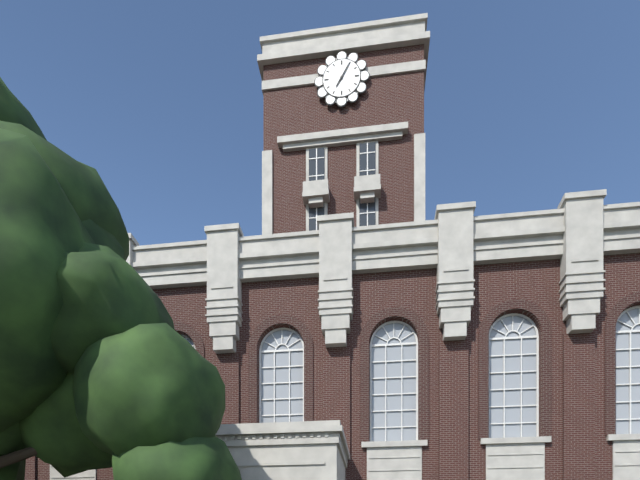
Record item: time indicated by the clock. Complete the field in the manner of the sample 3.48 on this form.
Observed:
7.05
